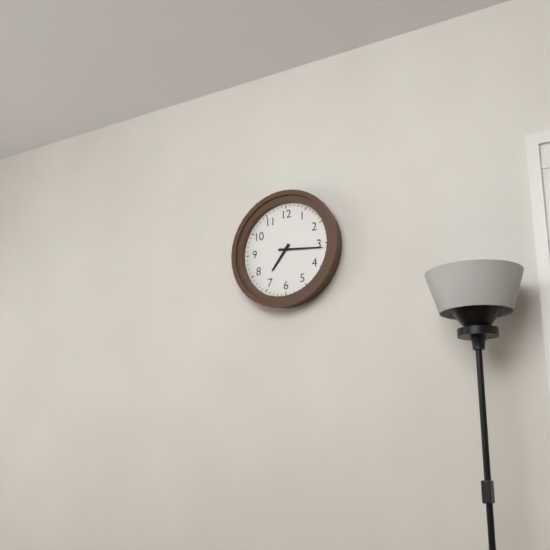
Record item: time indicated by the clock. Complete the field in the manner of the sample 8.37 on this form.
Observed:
7.16
